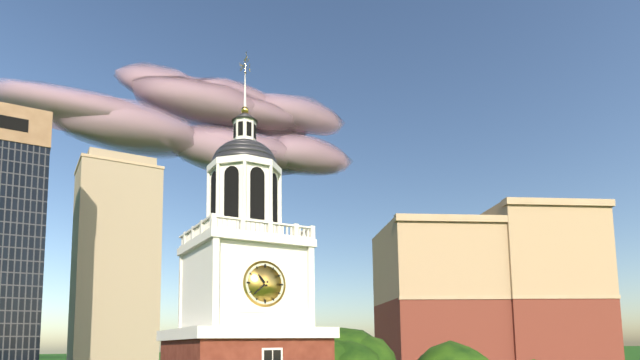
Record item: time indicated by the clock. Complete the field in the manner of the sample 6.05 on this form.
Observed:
10.38
